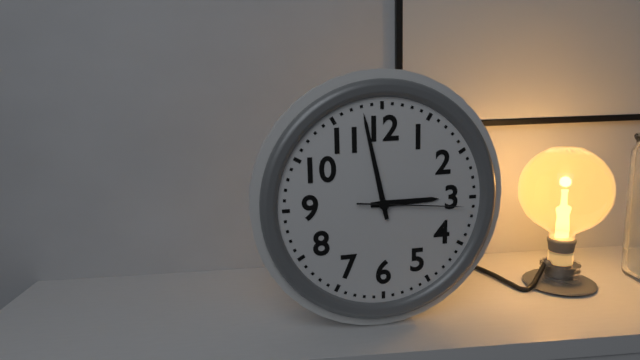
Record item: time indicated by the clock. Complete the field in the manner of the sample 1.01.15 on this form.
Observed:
2.58.16
